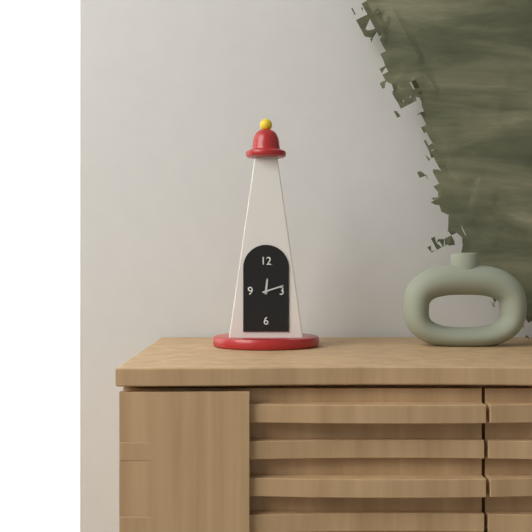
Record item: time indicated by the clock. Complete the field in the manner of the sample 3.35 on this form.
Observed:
12.12
